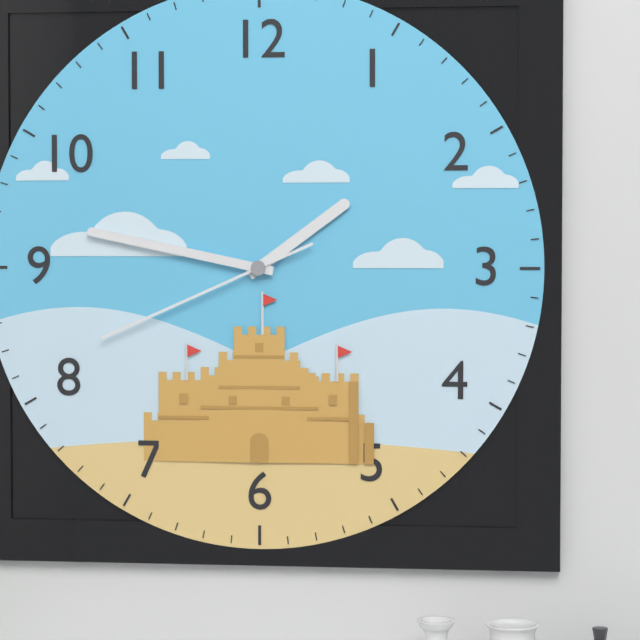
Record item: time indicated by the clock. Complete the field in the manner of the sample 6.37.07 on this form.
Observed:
1.47.41
